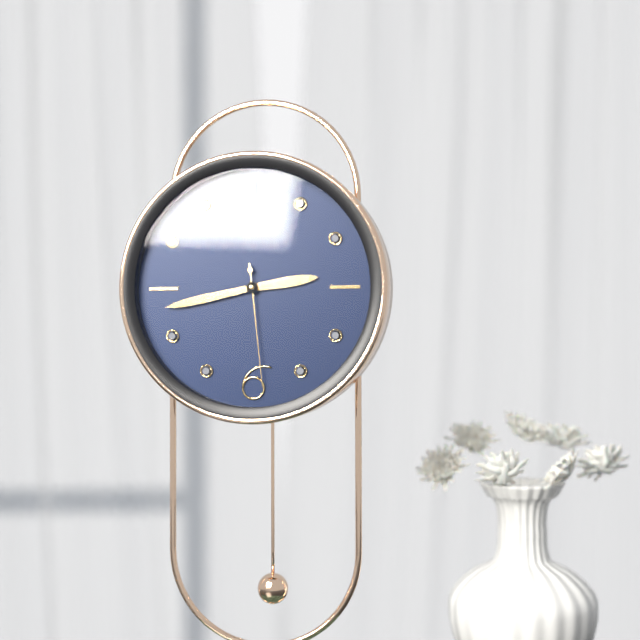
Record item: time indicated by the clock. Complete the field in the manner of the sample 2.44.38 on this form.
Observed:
2.43.29
